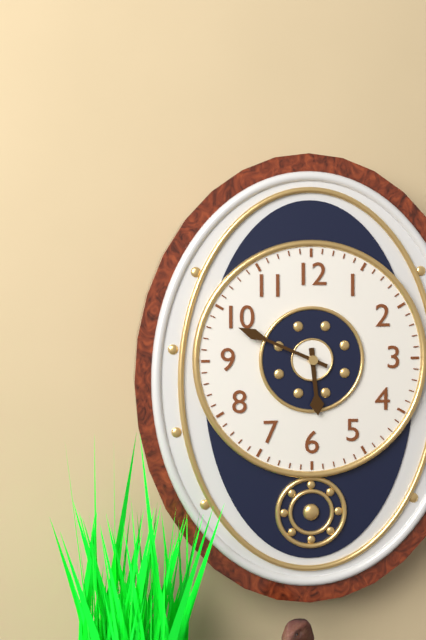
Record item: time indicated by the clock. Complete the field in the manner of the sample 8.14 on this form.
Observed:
5.49
